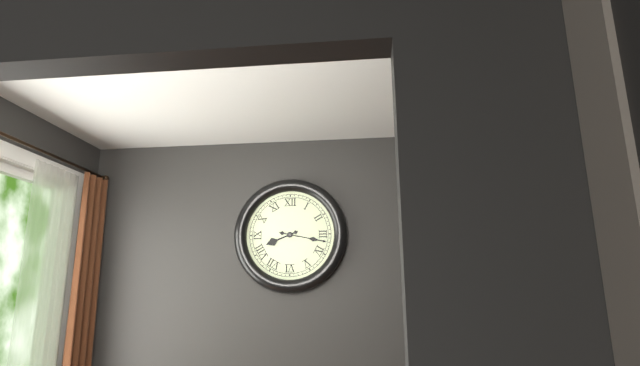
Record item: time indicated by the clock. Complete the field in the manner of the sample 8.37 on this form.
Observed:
8.17
